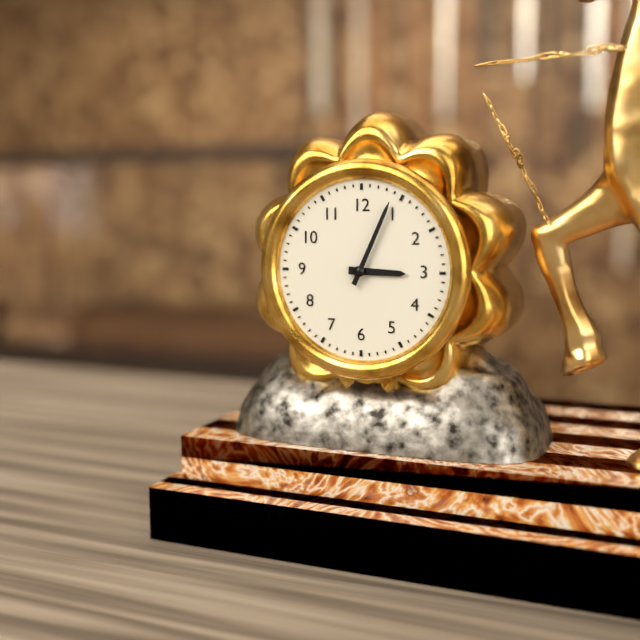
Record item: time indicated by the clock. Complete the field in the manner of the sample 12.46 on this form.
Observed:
3.04
